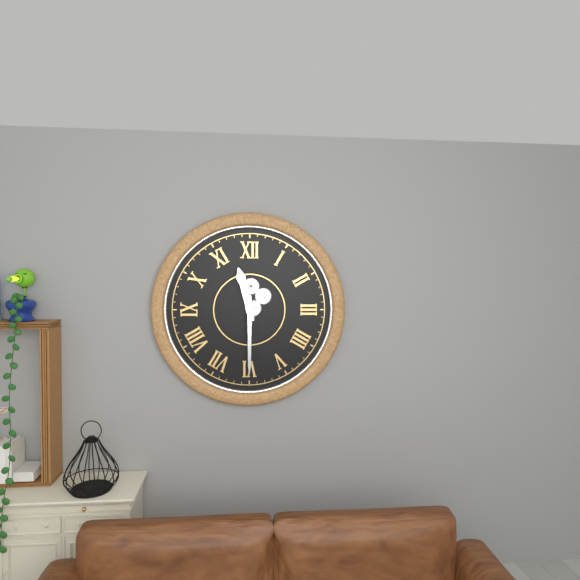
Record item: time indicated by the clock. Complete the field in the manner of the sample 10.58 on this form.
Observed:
11.30
